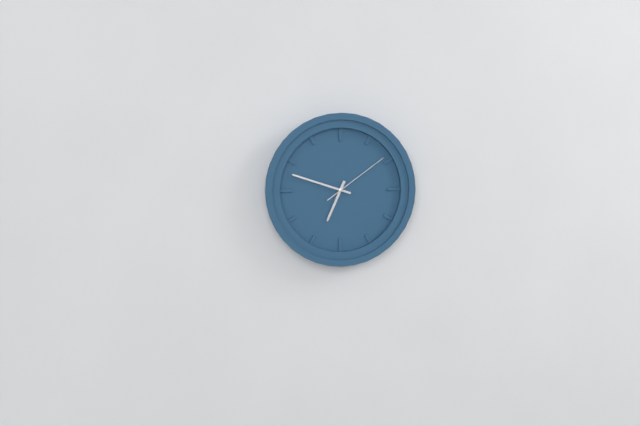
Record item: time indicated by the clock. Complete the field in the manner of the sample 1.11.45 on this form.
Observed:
6.48.09
